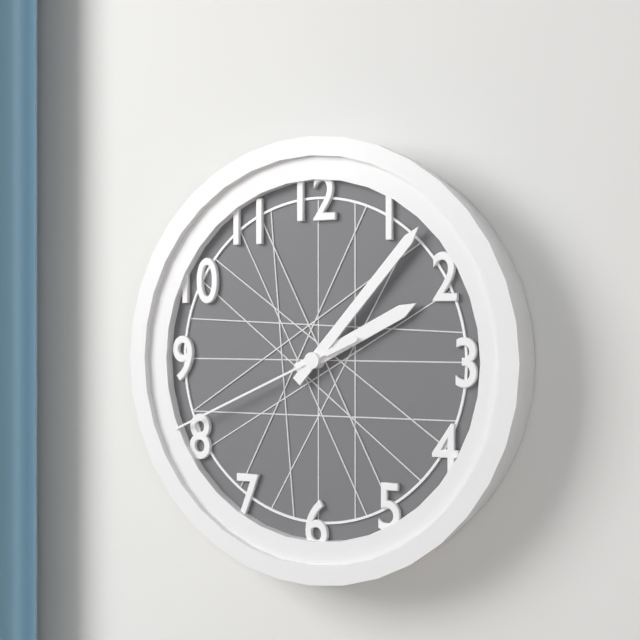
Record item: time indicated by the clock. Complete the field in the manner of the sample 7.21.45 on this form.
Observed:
2.07.41
